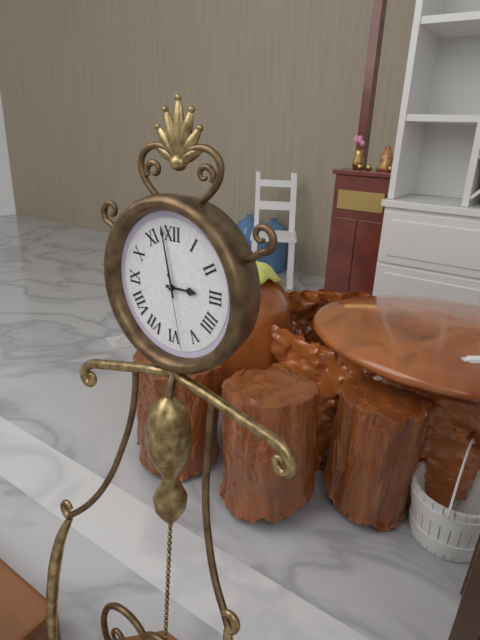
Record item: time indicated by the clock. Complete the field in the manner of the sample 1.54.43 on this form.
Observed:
2.58.28
